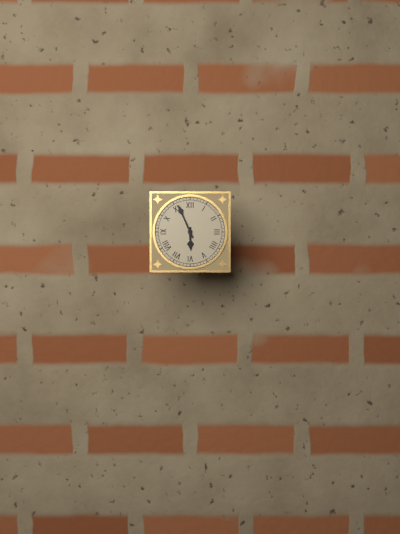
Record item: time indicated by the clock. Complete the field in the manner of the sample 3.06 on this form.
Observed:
5.56
